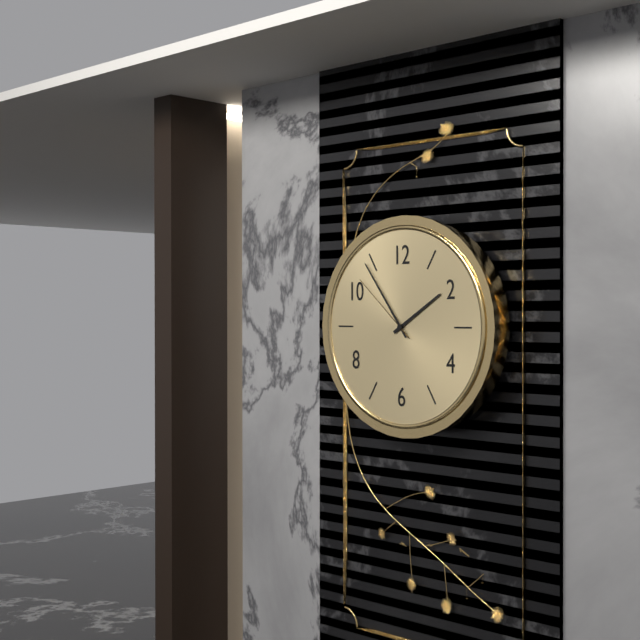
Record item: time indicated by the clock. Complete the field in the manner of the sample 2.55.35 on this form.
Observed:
1.54.52
